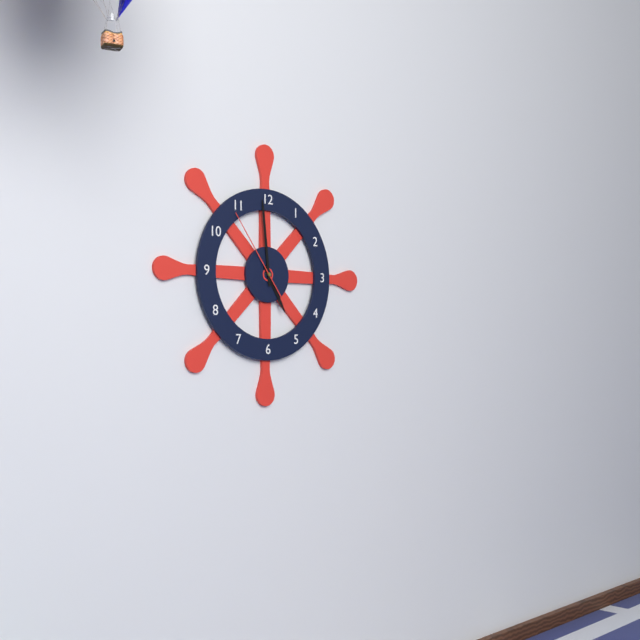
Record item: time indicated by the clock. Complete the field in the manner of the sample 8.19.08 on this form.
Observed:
4.59.54
